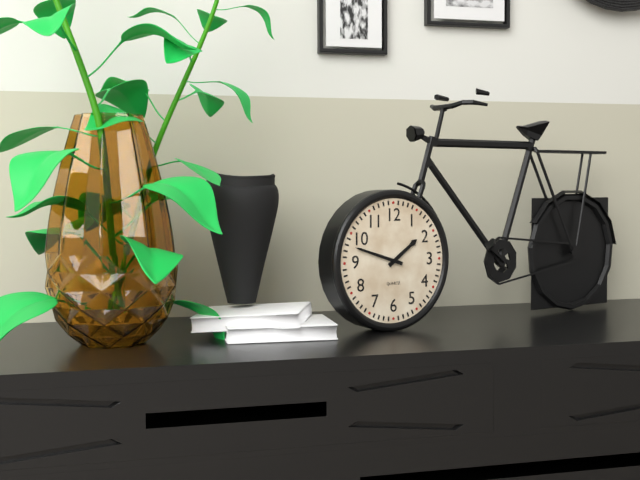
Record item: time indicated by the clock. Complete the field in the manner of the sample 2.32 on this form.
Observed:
1.48
